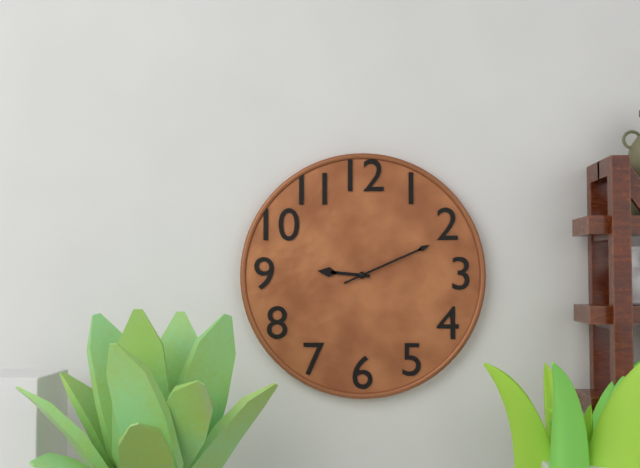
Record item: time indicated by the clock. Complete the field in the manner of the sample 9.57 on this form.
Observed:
9.11
